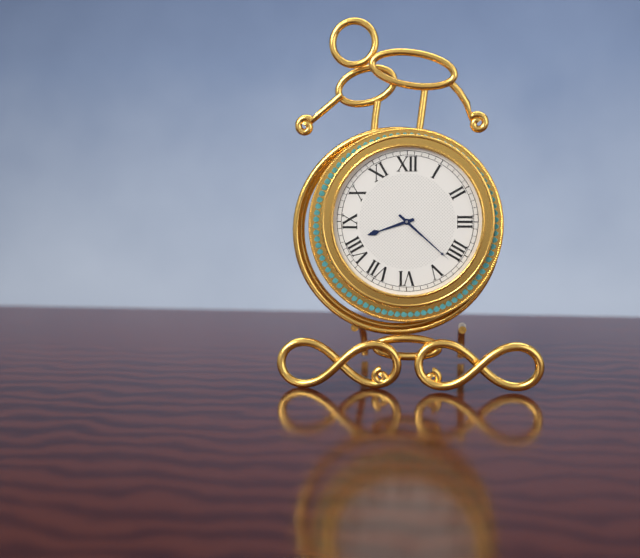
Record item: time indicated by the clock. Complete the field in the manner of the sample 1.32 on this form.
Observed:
8.22
